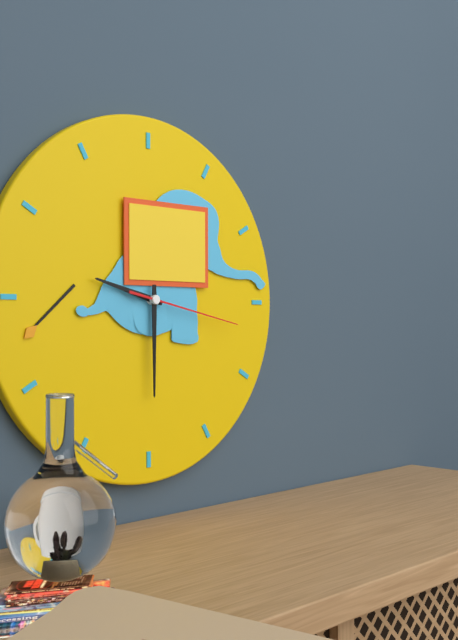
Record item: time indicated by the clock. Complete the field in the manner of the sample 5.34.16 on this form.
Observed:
9.30.17
